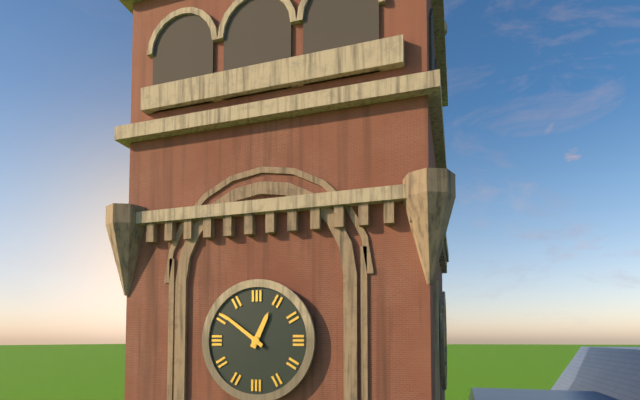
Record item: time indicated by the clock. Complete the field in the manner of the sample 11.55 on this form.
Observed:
12.51
